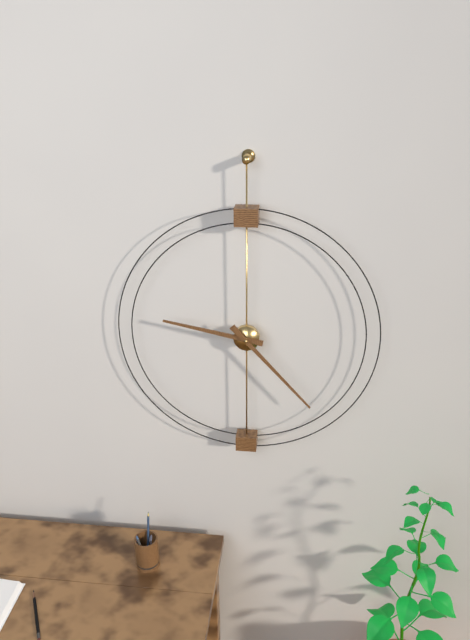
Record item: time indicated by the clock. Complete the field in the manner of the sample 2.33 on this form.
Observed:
9.23
